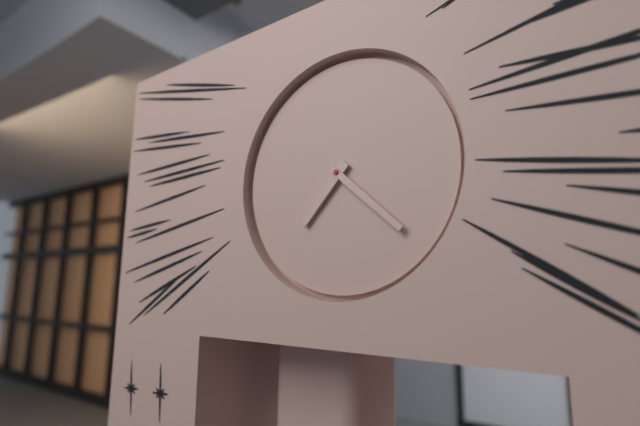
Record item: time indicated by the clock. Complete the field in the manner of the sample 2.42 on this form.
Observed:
7.22
